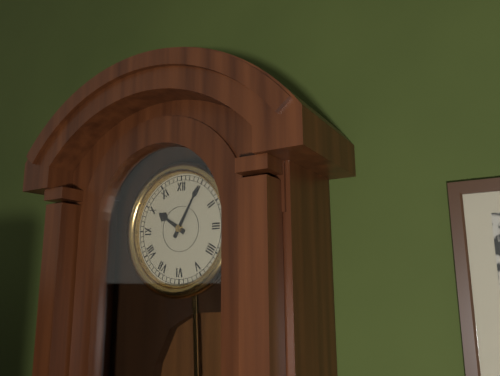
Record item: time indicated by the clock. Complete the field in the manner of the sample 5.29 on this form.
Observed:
10.05
